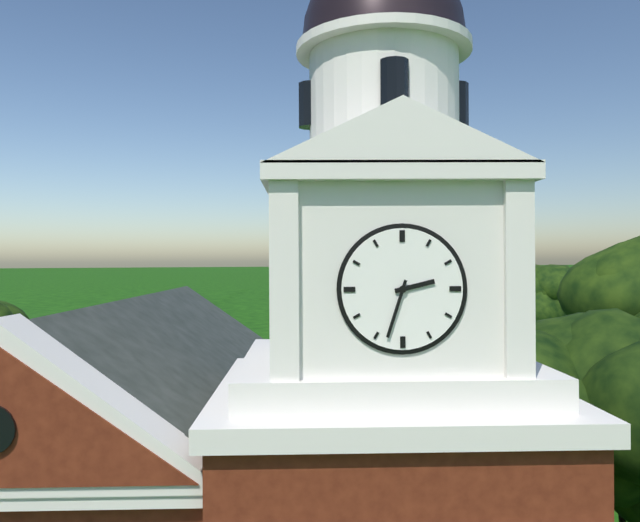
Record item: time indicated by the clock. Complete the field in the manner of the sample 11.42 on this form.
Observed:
2.33
